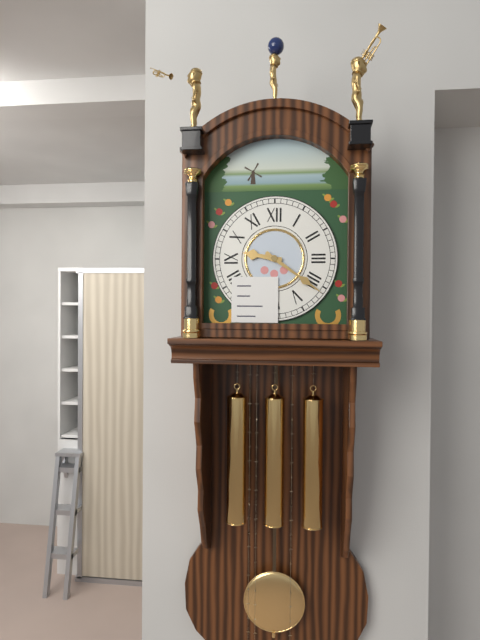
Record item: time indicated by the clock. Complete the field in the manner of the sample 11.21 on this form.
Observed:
9.21
